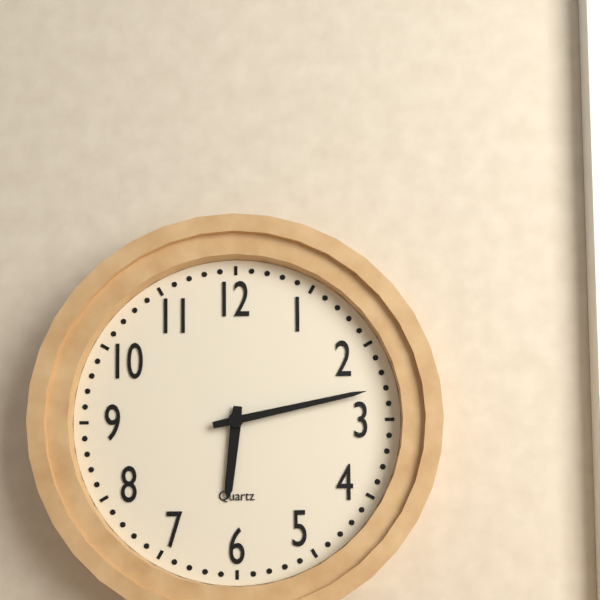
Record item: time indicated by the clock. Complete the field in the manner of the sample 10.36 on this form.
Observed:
6.13
